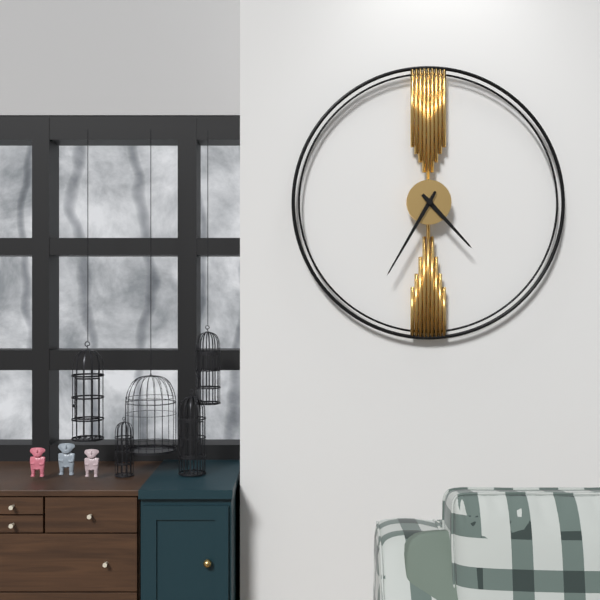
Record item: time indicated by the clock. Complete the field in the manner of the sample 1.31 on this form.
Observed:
4.35
